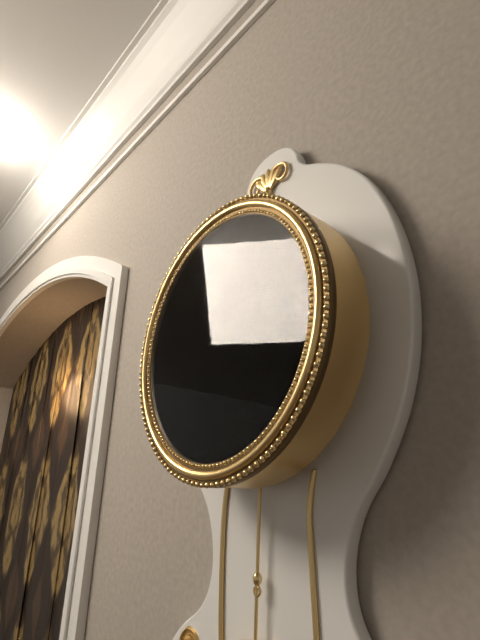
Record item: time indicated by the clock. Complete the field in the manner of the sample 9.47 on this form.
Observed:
10.45
